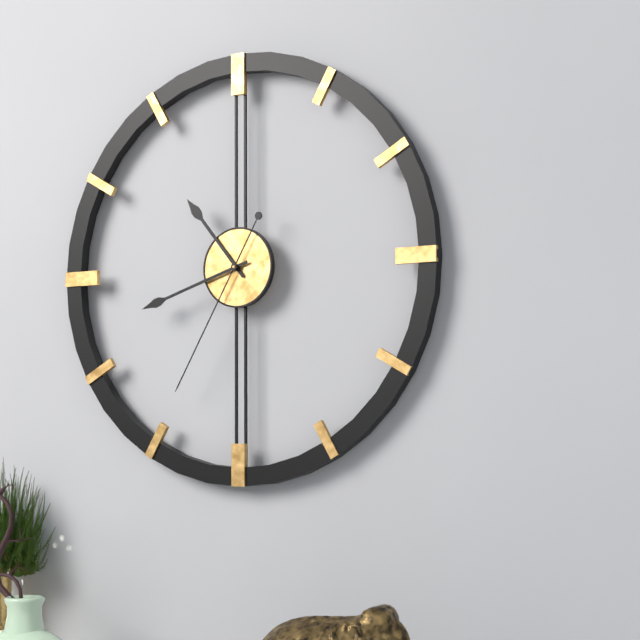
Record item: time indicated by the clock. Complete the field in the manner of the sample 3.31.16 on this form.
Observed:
10.42.35
